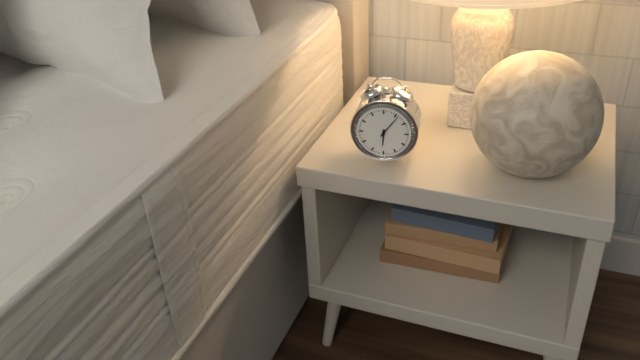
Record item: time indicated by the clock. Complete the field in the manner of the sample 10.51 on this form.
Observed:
6.06
